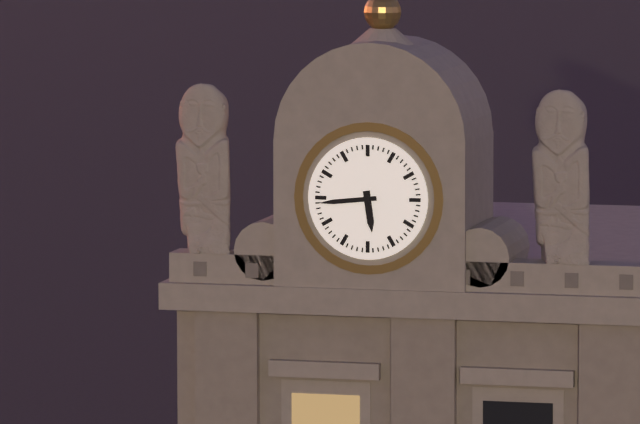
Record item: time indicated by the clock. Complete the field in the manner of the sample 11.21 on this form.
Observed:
5.44
